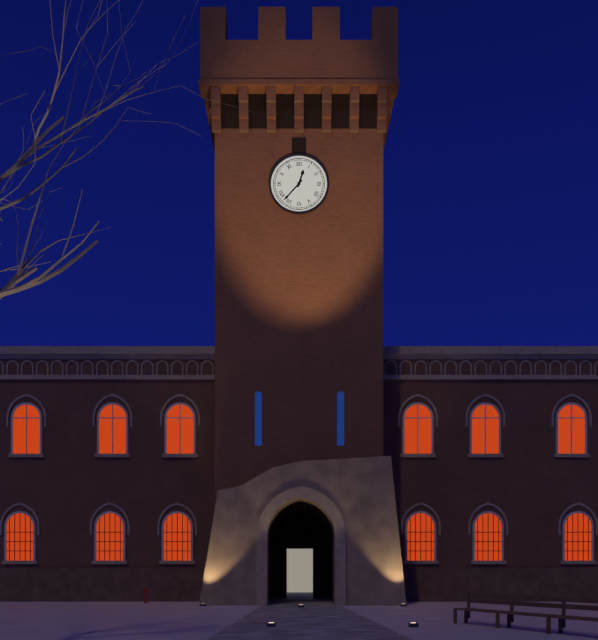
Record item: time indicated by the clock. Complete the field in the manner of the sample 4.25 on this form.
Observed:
12.37
